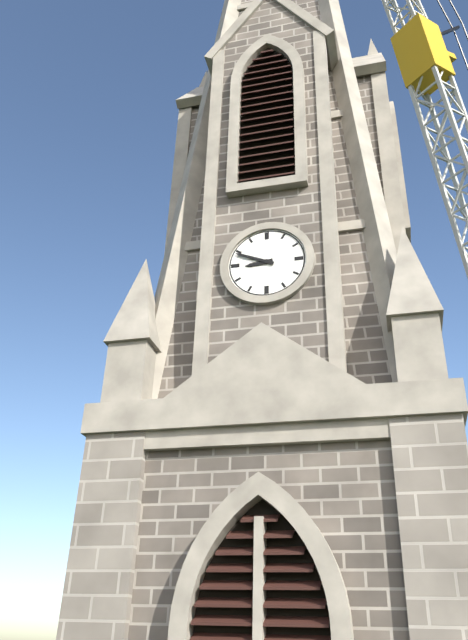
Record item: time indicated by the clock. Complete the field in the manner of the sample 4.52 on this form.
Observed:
8.49
